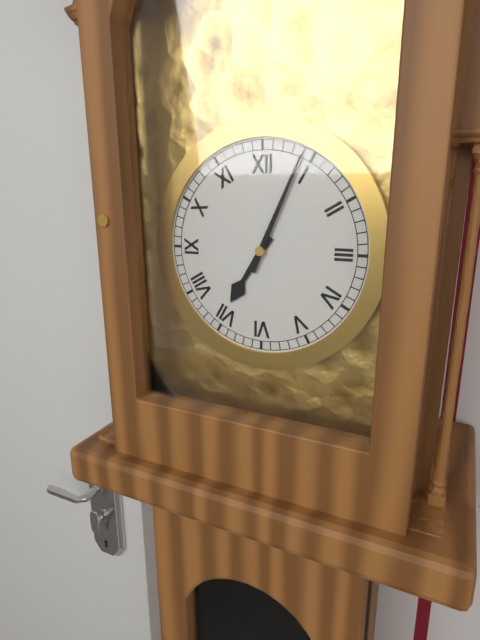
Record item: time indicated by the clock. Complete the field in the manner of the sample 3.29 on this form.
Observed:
7.04
